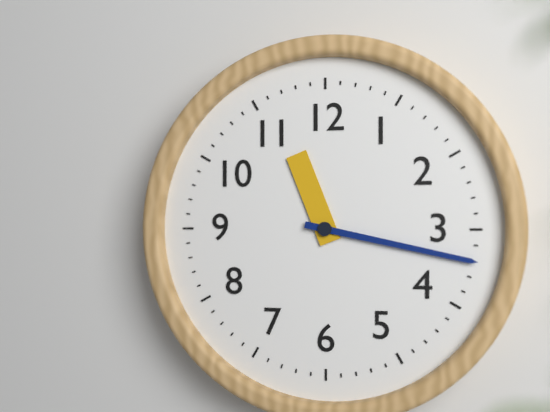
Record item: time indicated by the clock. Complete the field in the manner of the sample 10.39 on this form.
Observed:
11.17
